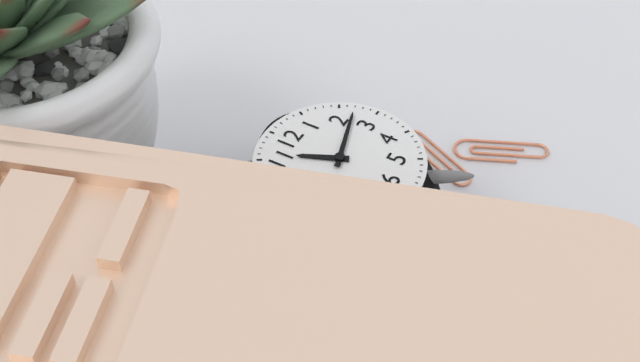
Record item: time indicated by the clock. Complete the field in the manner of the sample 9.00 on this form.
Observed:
11.12
